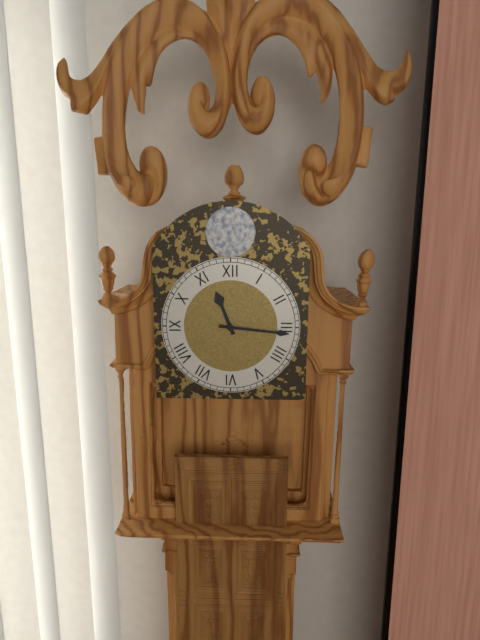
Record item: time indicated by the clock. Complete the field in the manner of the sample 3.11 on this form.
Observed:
11.16
